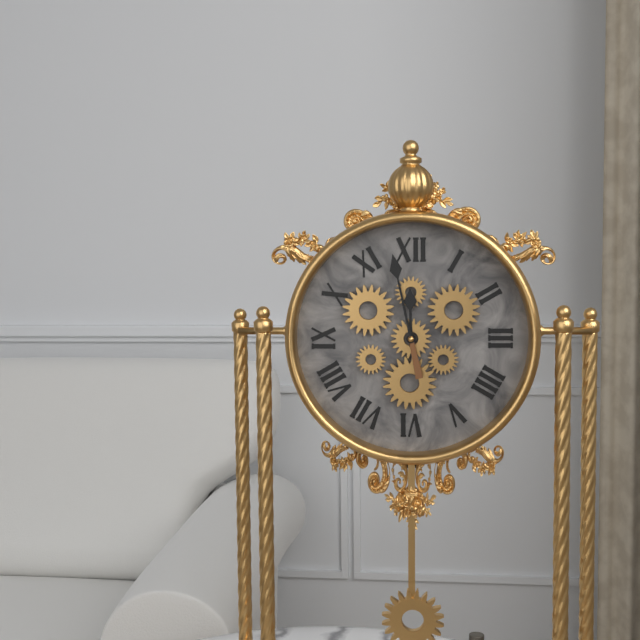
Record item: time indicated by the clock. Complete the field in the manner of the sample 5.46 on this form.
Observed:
11.58
